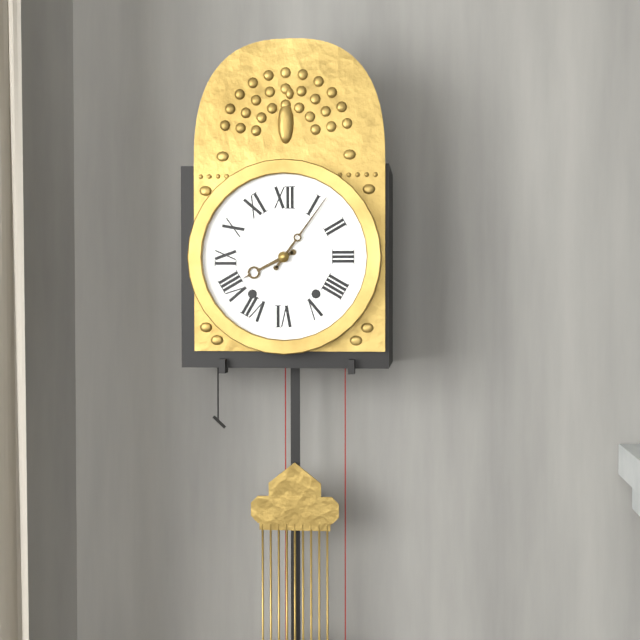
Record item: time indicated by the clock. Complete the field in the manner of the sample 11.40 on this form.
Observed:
8.06
